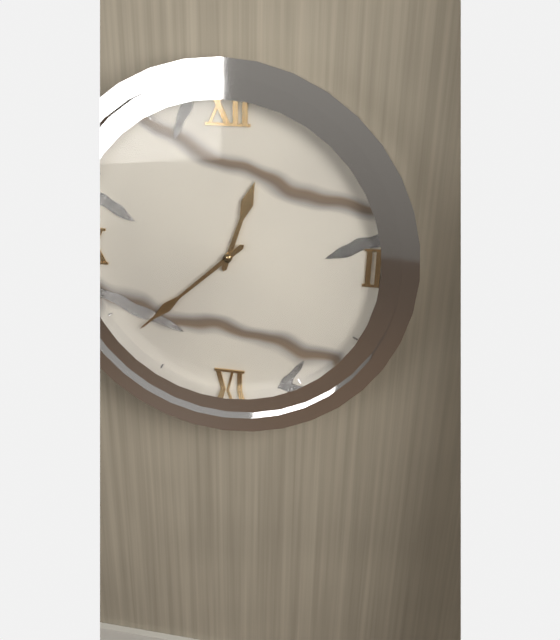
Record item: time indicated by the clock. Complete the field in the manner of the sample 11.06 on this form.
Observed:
12.38
